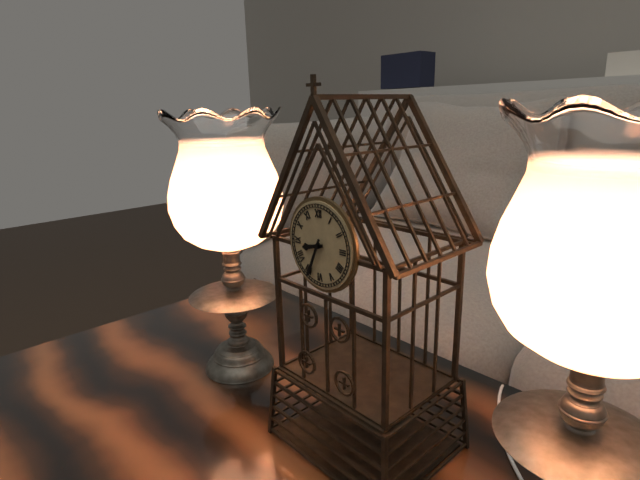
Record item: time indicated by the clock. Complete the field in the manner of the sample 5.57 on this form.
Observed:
8.34
